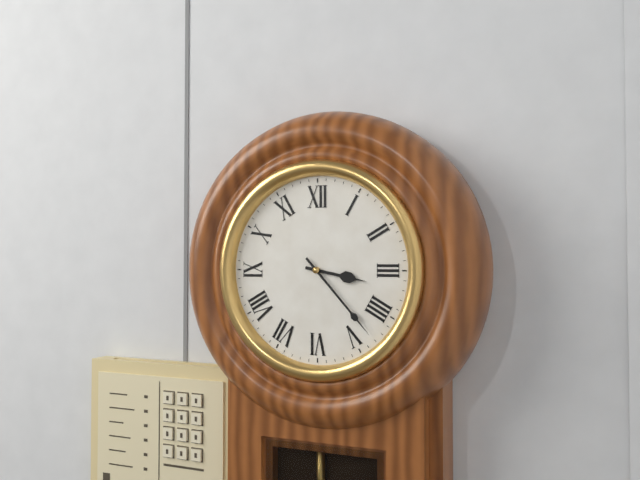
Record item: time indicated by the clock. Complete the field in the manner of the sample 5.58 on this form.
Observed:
3.23
